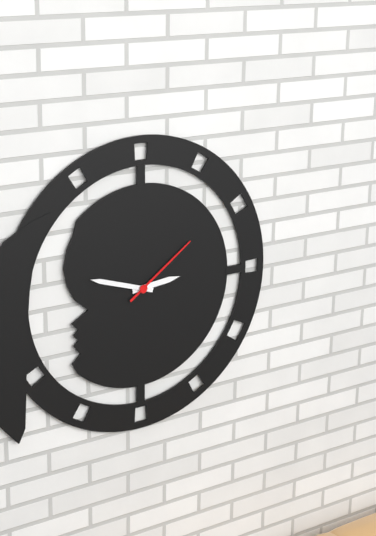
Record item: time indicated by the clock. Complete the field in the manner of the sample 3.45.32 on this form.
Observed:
2.48.09
